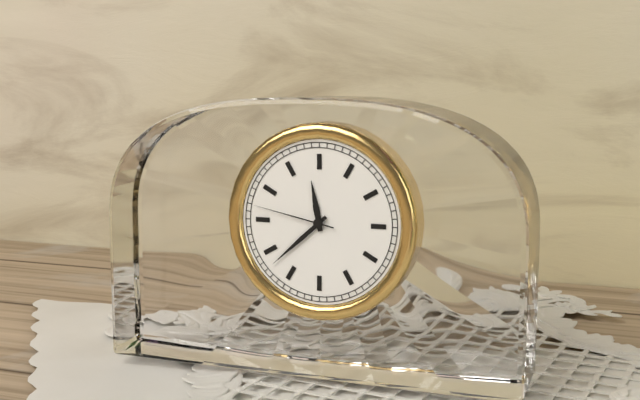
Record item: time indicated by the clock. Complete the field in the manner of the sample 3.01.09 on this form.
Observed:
11.38.47
